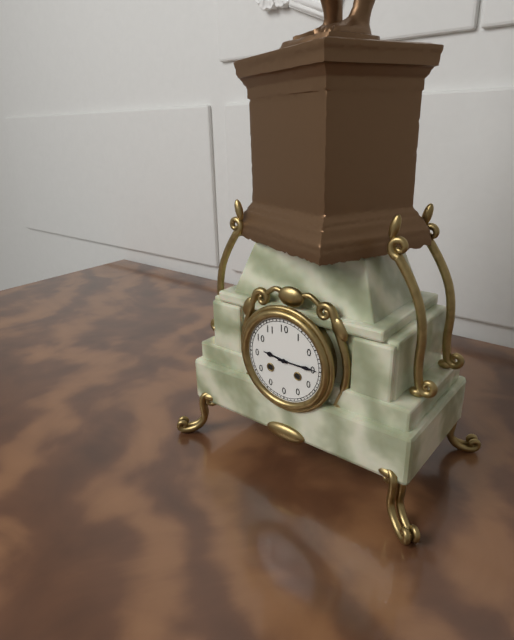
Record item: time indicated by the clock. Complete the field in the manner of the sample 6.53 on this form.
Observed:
9.15
